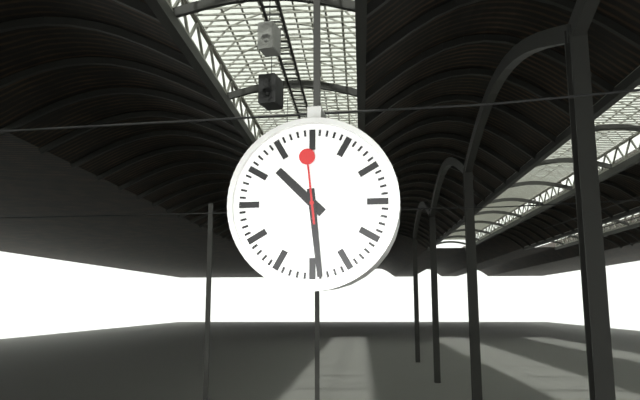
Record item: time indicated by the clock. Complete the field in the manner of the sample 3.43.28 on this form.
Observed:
10.29.59
